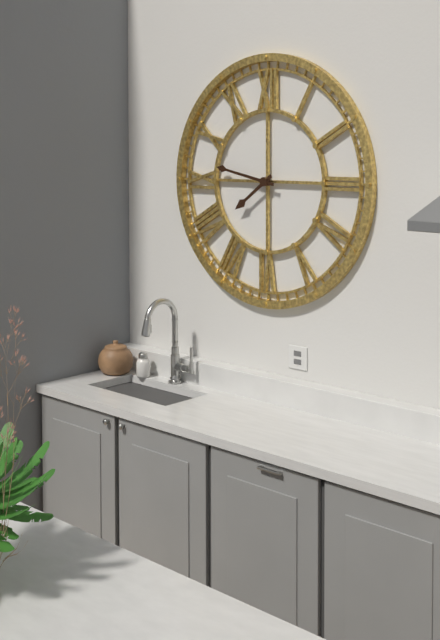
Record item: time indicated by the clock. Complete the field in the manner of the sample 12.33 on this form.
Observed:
7.47
